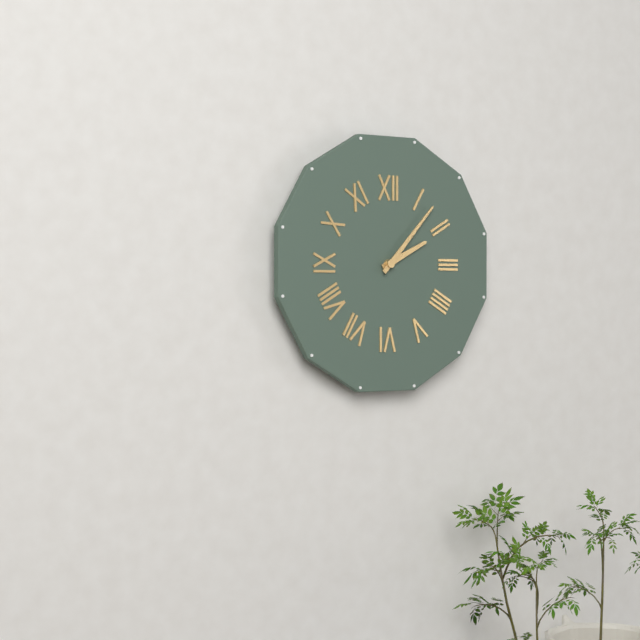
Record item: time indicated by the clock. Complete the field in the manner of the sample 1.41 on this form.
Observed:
2.07
